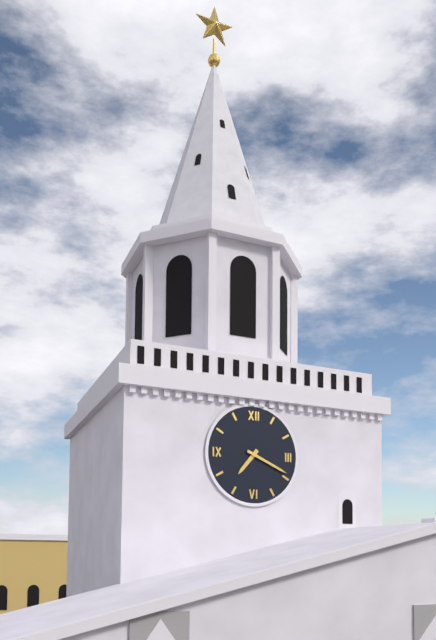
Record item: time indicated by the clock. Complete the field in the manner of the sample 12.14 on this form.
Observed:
7.19
